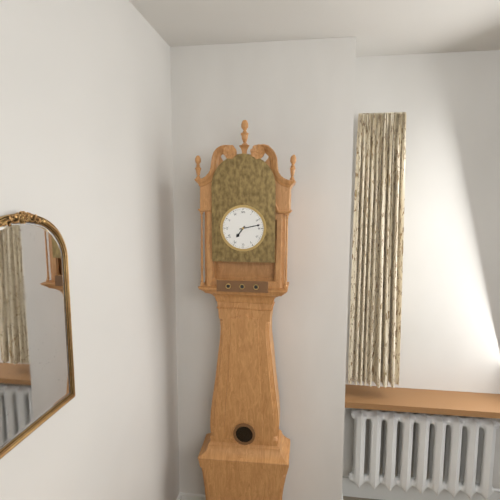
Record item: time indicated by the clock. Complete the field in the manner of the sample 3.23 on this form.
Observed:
7.13
